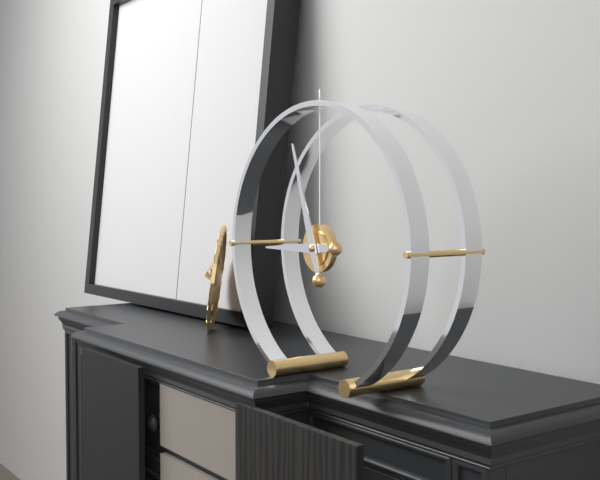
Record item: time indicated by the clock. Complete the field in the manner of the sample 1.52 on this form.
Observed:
8.57
